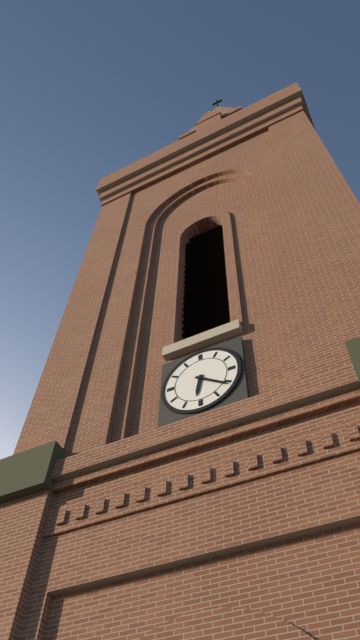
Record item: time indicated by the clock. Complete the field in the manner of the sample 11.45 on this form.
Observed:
6.21
